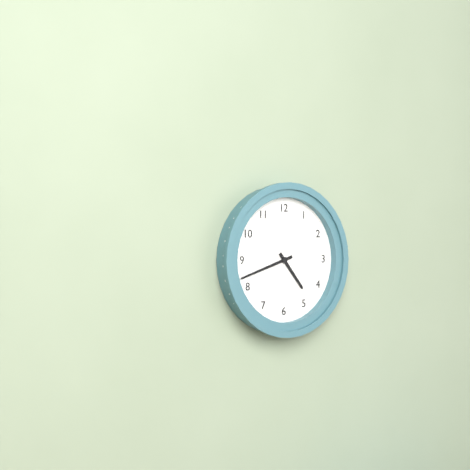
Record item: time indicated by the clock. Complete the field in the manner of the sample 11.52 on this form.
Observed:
4.42
